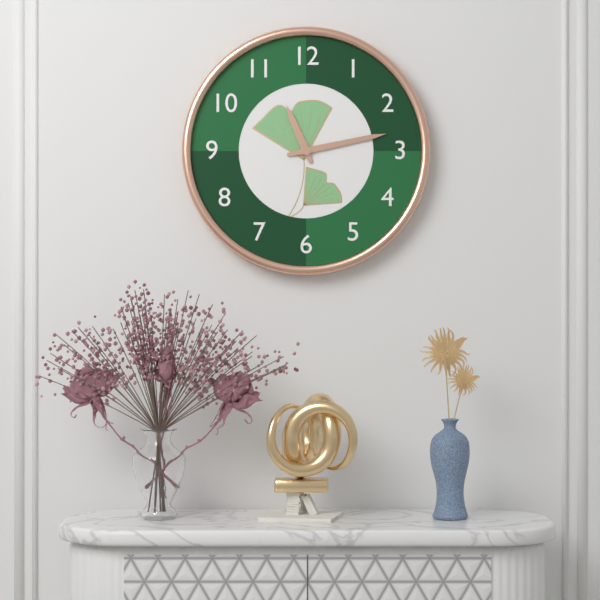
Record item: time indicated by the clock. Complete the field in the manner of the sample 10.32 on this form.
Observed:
11.13
